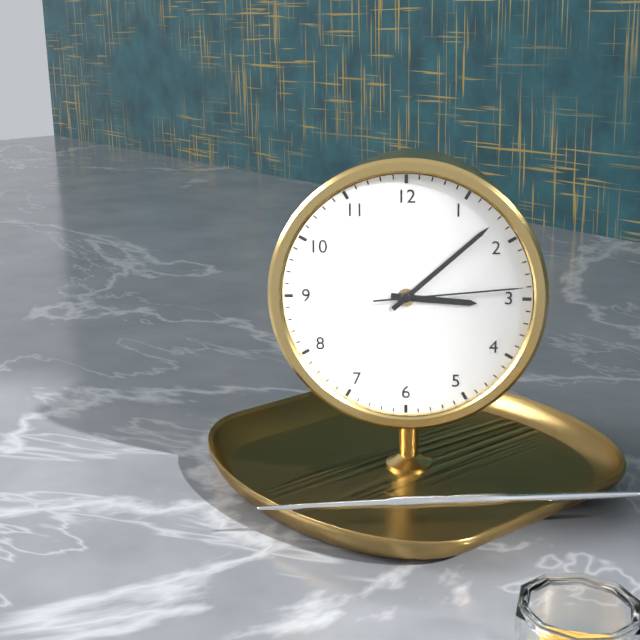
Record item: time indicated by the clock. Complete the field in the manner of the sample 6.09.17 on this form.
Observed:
3.08.14
